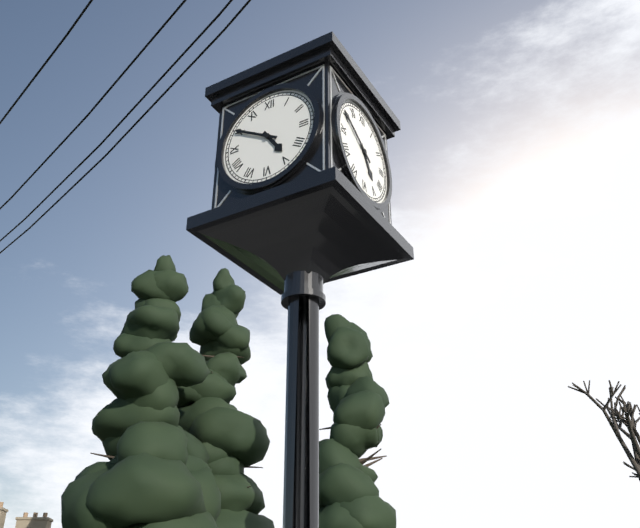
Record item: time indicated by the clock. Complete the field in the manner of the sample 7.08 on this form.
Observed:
4.50
